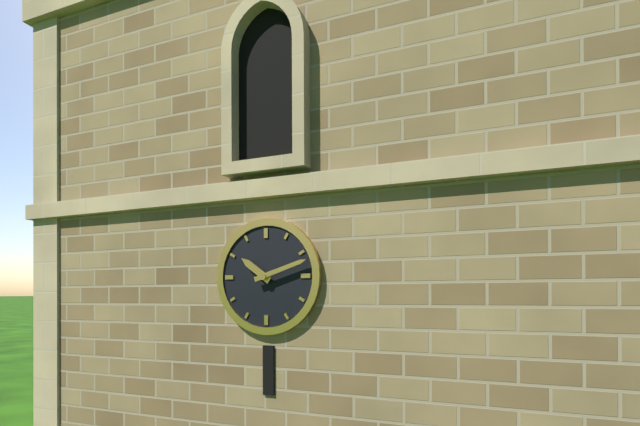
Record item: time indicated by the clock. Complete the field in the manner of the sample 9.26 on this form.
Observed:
10.12
